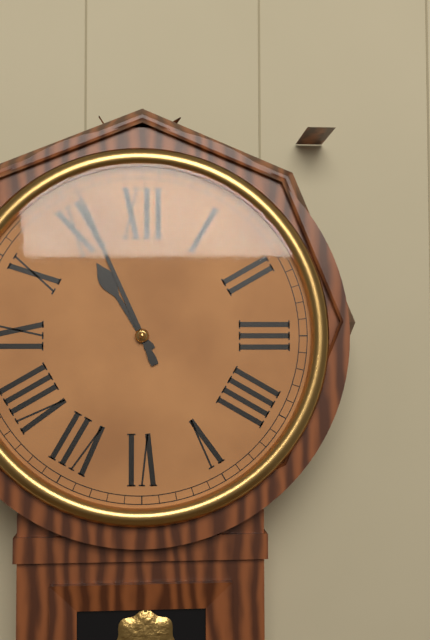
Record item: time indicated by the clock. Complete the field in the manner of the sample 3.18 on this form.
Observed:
10.56
